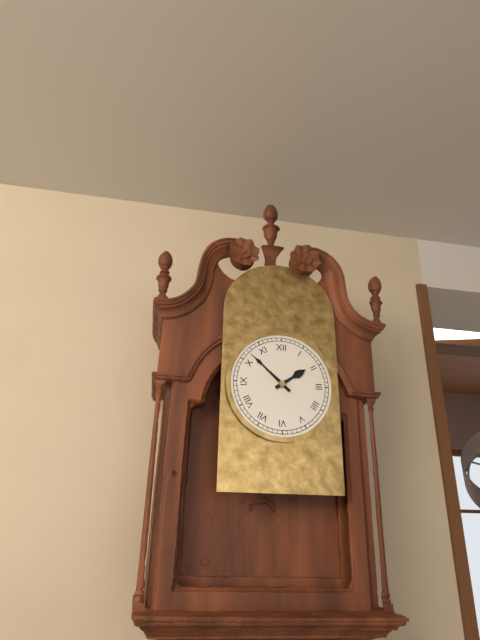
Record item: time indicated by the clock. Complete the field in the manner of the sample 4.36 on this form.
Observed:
1.52
